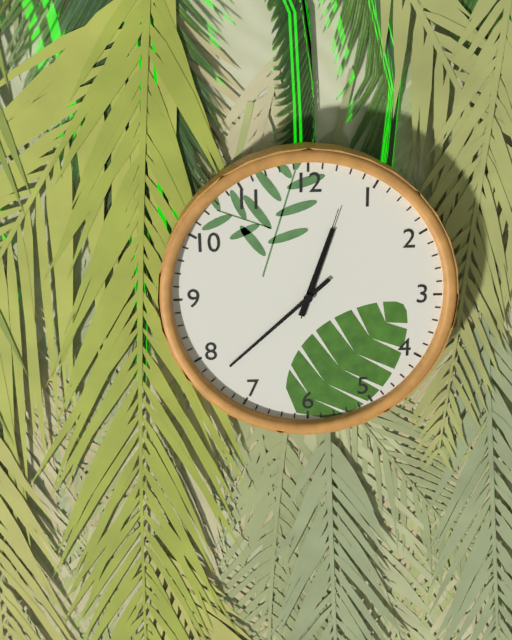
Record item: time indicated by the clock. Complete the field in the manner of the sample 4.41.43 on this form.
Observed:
12.38.03
